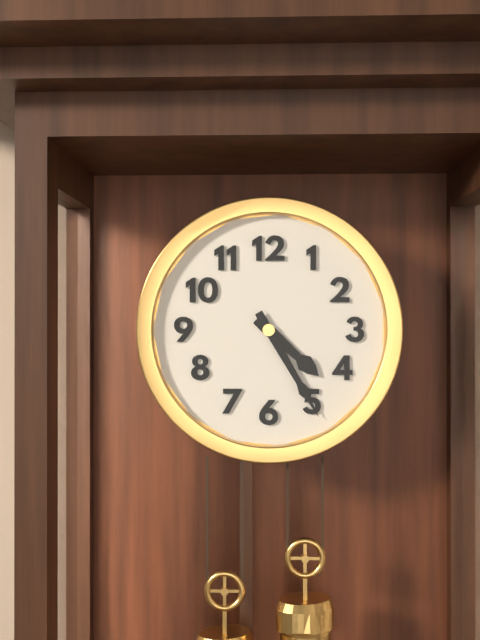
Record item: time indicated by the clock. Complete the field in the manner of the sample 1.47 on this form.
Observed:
4.25
